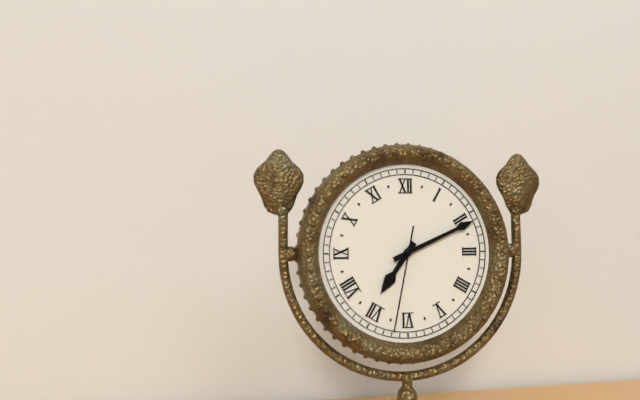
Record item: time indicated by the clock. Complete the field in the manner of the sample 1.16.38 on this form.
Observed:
7.11.32
